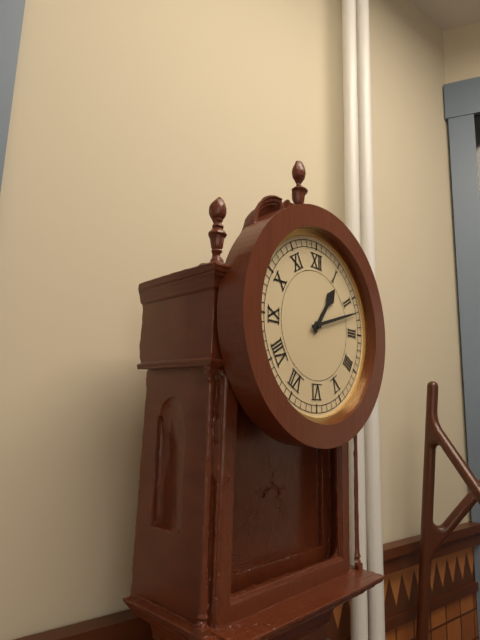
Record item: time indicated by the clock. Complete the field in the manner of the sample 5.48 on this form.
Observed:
1.12
